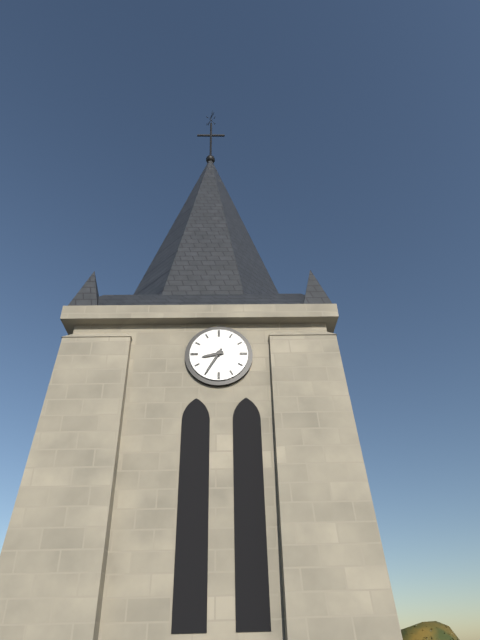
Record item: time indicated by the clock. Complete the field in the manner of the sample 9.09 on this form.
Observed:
8.35
